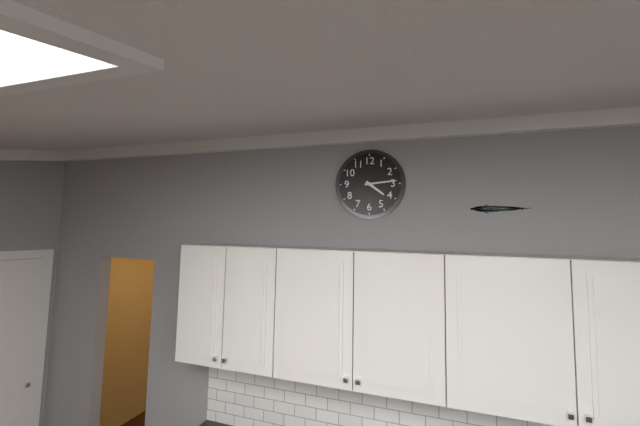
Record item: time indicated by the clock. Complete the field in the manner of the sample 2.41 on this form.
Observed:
4.14
